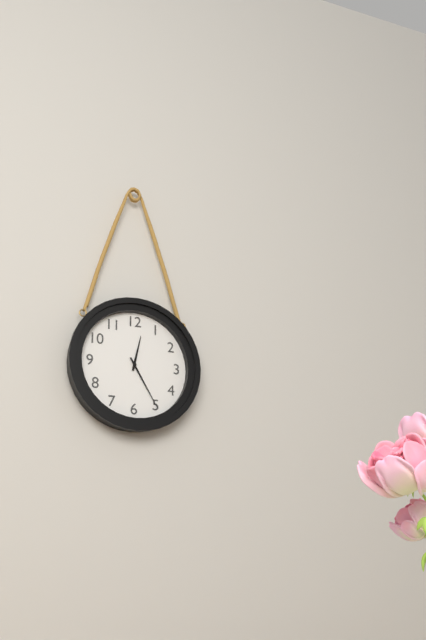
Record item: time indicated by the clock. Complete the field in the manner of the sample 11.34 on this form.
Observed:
12.25
